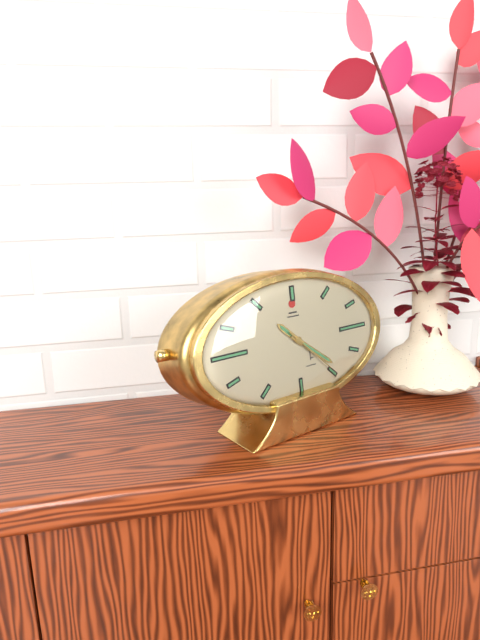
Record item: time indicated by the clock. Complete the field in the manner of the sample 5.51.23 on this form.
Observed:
10.21.22
